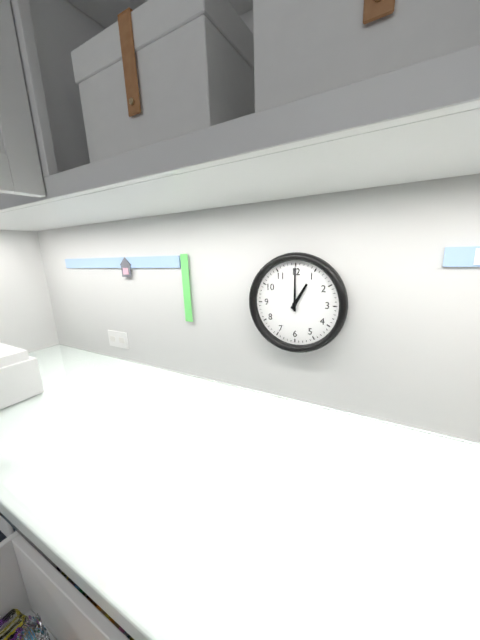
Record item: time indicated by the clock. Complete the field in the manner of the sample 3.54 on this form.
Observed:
1.00
